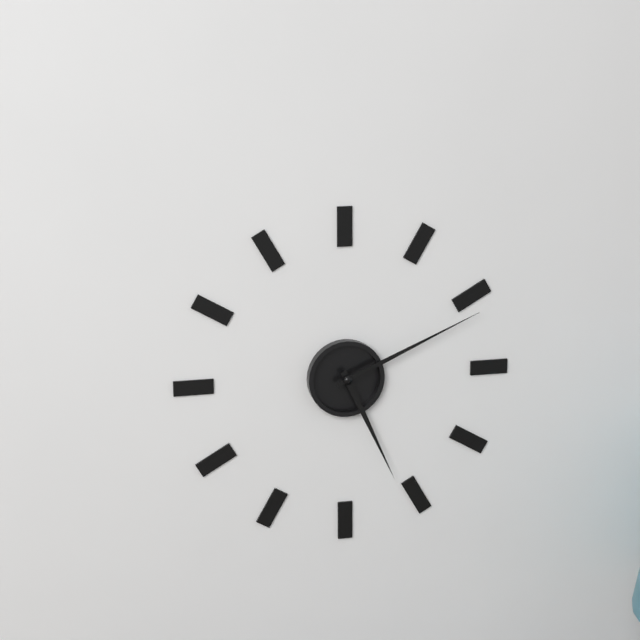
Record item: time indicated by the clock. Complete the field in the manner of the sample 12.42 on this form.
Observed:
5.11
